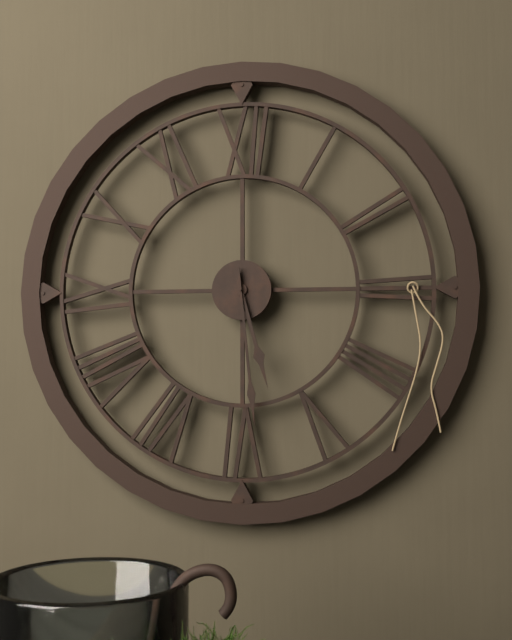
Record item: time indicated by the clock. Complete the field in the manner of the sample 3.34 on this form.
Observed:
5.29
